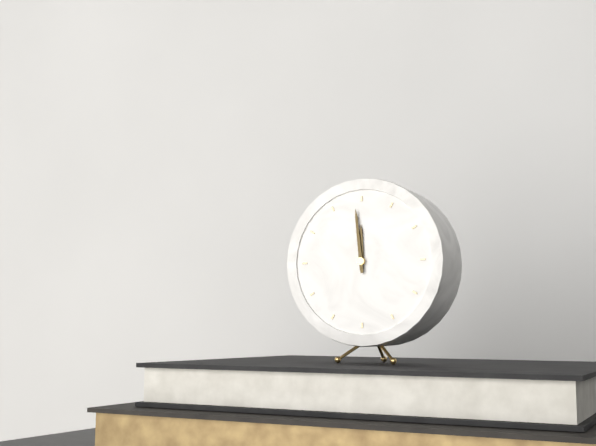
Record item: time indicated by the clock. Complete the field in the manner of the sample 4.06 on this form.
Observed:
11.59
